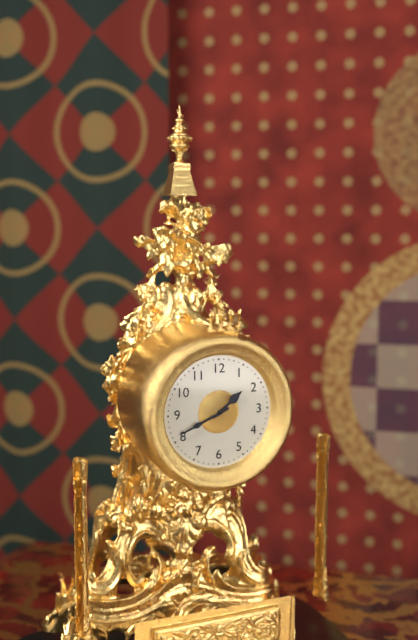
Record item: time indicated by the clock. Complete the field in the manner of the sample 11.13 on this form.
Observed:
1.41
